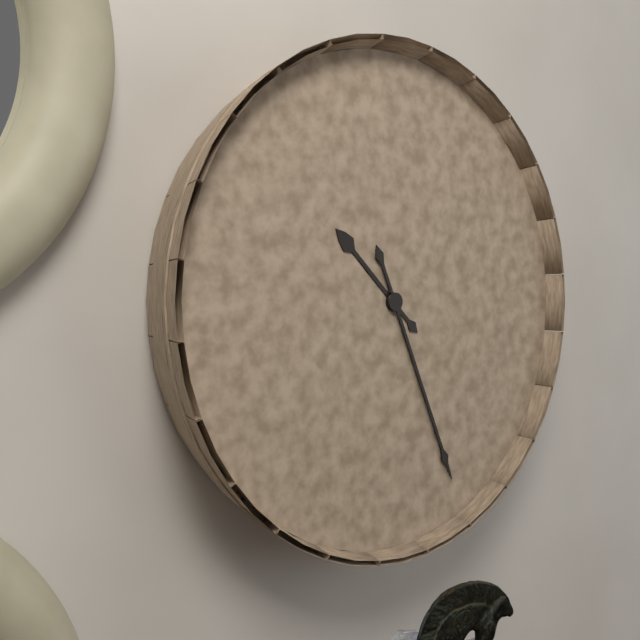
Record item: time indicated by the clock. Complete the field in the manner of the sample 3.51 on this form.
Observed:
10.26
